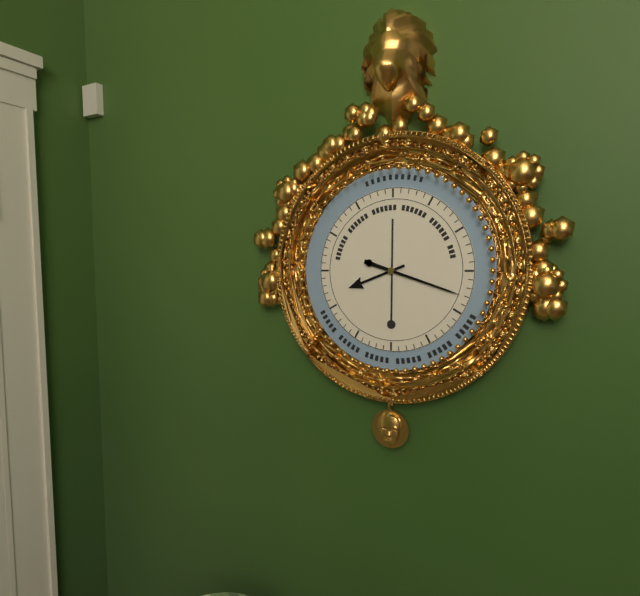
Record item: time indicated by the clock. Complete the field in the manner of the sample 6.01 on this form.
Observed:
8.18
